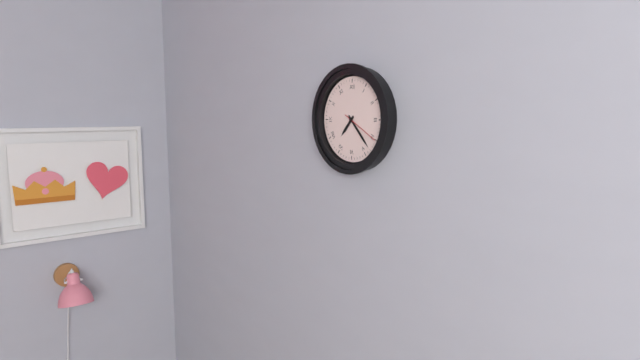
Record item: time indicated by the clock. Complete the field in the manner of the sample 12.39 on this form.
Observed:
7.23
